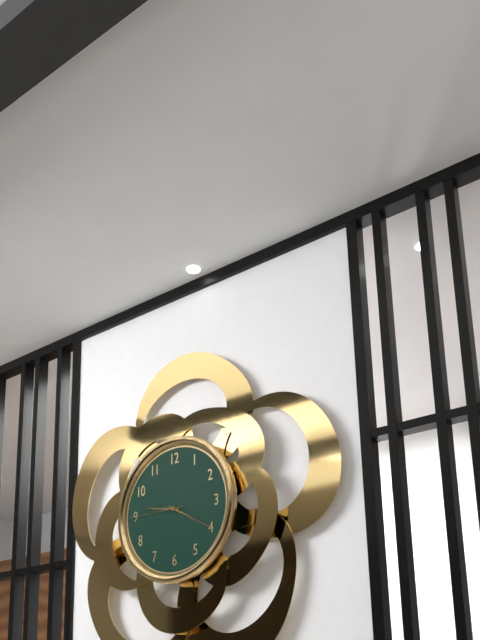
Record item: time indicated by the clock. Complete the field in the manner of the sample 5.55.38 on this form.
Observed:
9.20.45
